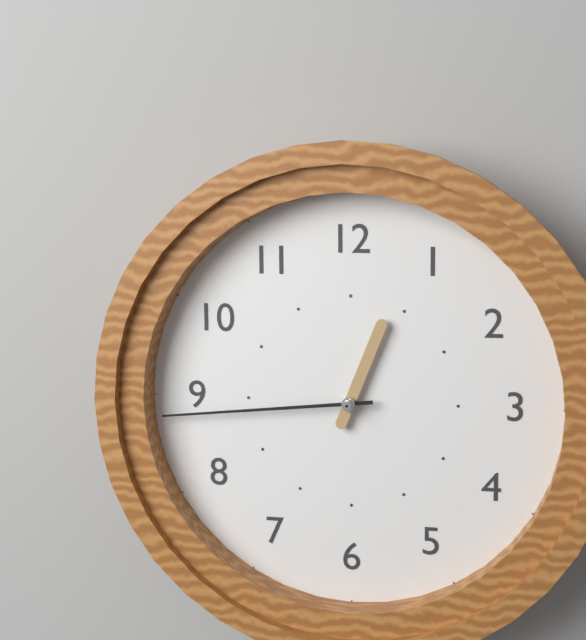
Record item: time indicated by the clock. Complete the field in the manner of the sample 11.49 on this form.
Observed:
12.44
